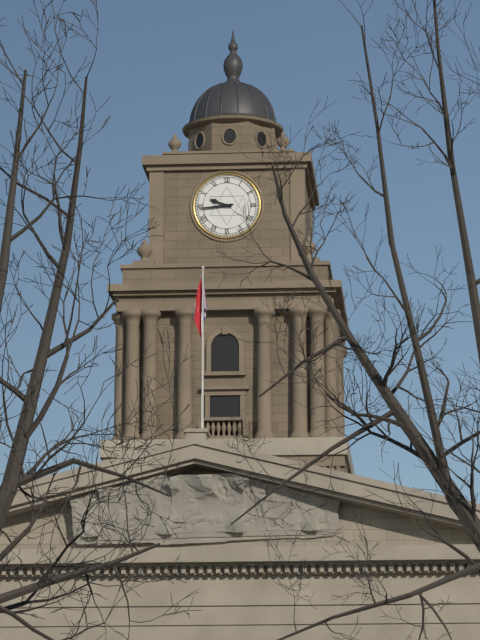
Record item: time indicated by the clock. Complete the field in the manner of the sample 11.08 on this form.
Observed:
9.44
